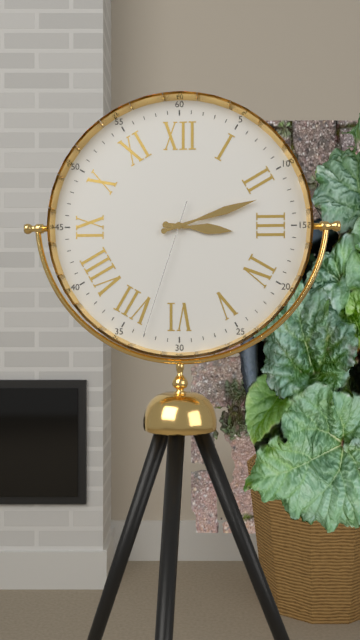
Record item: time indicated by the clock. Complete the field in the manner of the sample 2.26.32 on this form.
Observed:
3.12.33
